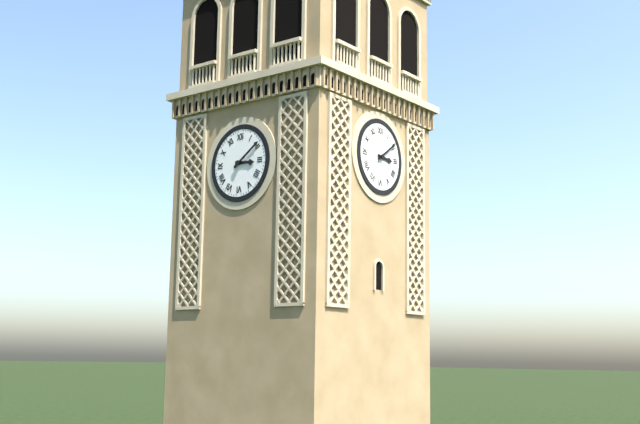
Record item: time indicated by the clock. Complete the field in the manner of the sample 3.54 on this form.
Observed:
3.09
